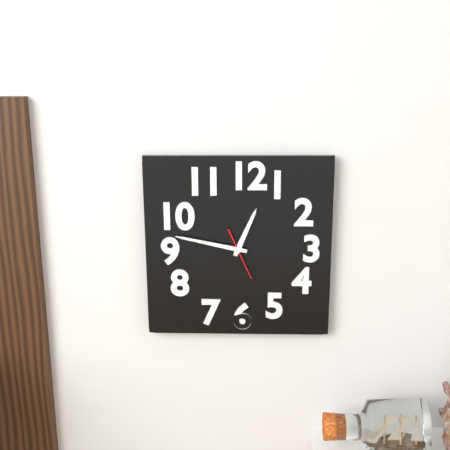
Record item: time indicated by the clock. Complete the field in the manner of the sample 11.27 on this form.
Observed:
12.47
